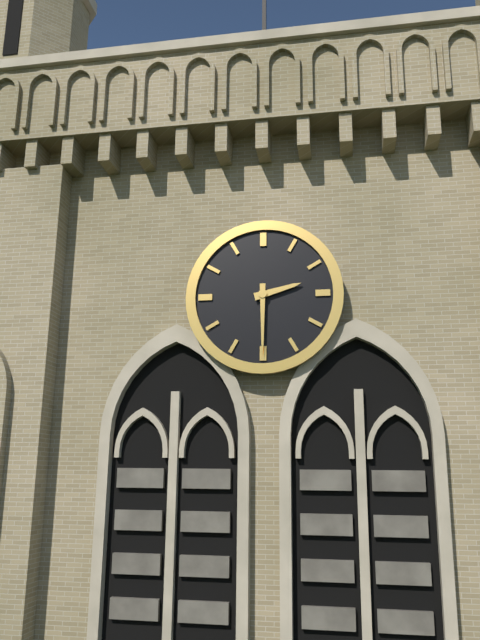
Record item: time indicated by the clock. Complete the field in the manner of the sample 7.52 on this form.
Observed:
2.30
